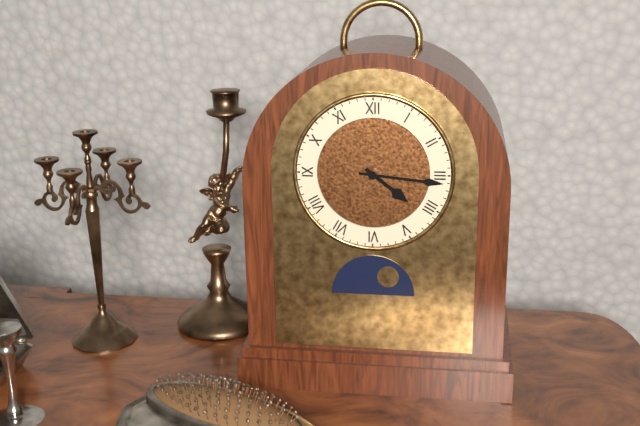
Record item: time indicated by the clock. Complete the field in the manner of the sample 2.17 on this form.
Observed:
4.16
